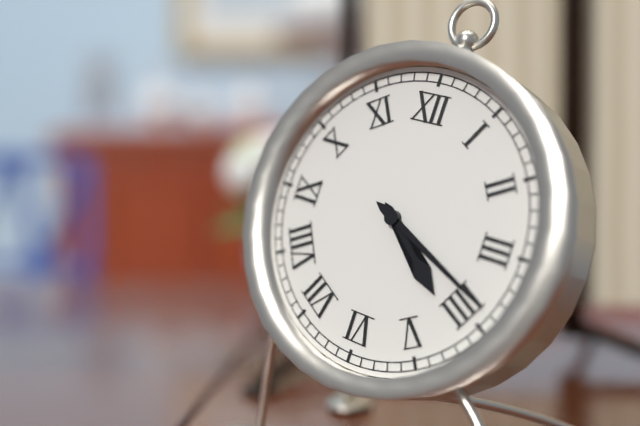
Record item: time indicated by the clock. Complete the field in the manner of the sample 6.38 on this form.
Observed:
4.19
